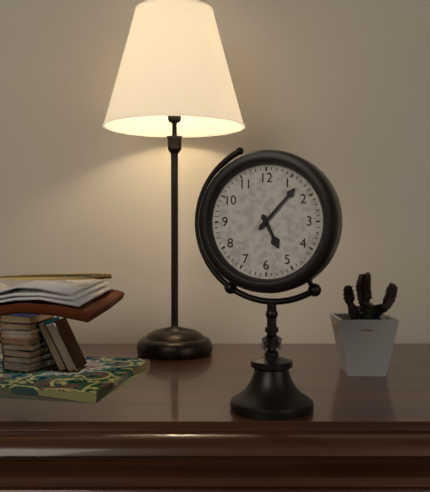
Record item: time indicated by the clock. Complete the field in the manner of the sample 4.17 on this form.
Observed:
5.07
